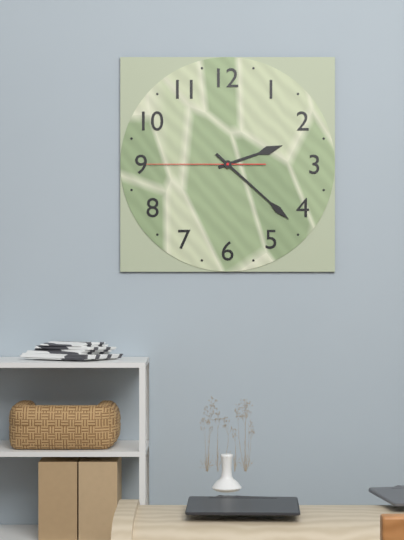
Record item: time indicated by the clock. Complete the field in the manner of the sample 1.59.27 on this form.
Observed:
2.22.45
